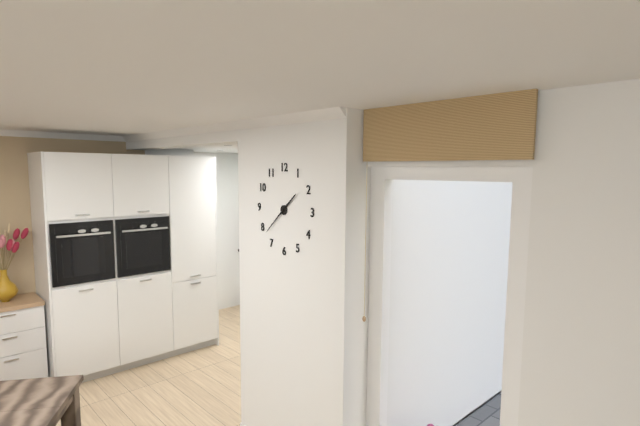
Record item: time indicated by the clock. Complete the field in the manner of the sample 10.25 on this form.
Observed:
1.38
